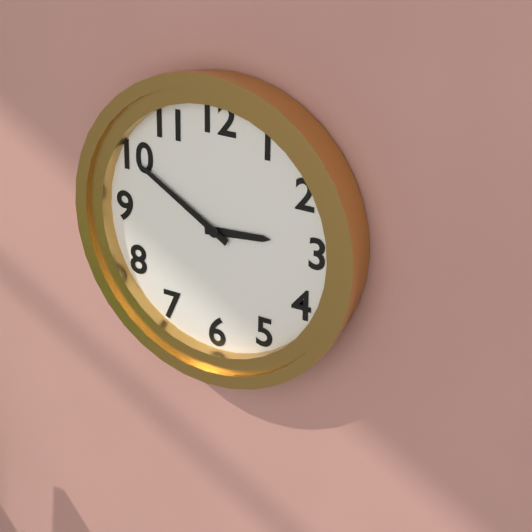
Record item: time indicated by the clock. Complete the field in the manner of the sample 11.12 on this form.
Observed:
2.50
